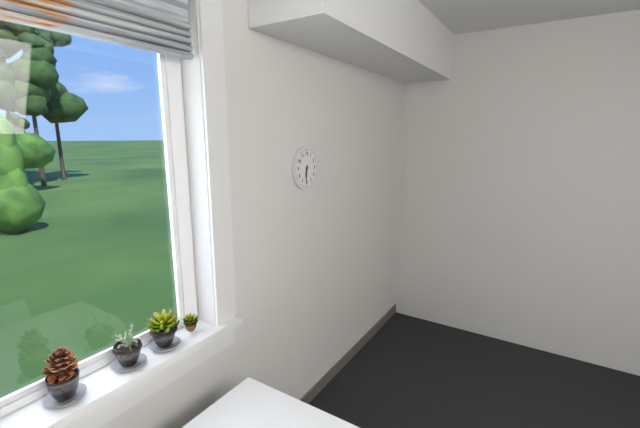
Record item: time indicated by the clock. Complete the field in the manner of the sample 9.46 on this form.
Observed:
6.31
